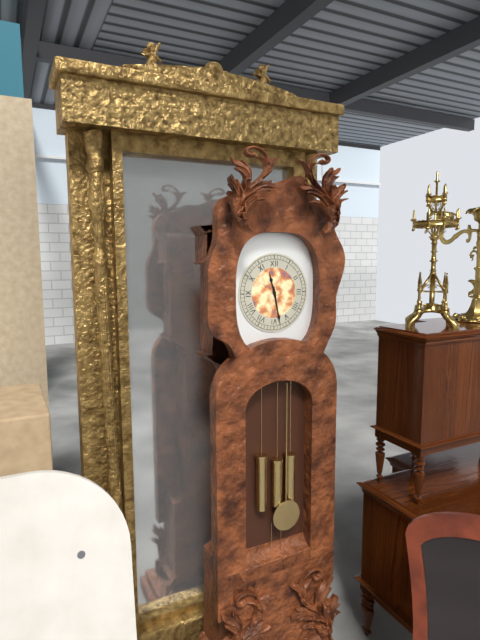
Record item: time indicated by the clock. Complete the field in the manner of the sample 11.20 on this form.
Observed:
11.28
